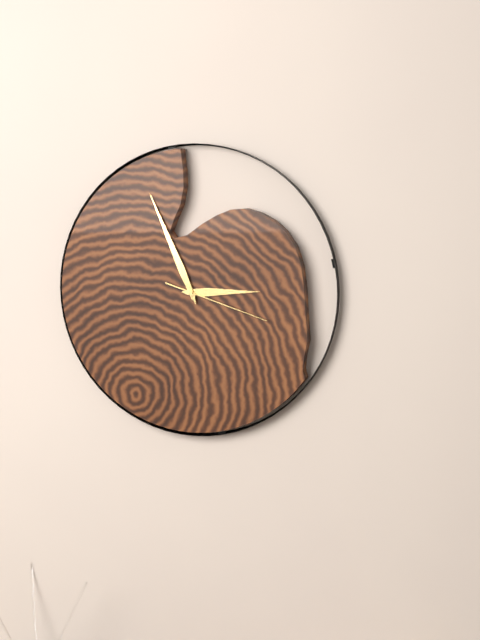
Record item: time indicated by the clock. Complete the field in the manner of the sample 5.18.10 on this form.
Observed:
2.56.18
